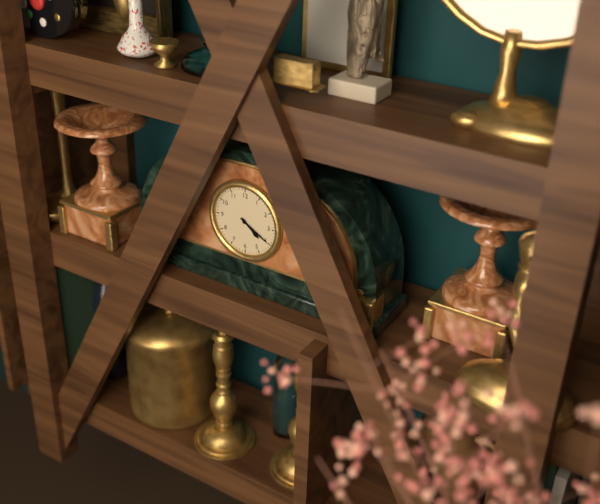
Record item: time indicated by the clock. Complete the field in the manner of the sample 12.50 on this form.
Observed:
4.20
